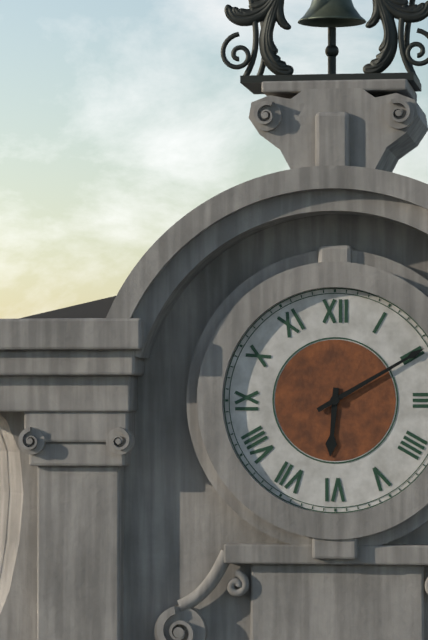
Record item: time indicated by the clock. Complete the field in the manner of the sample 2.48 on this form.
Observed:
6.10
